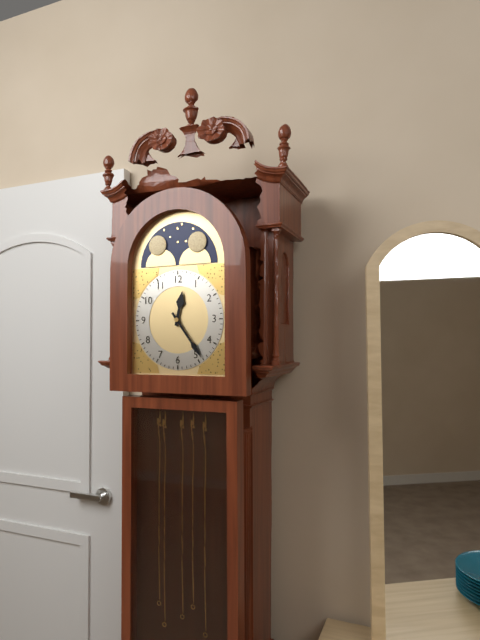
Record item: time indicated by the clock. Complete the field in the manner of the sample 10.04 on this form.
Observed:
12.24
